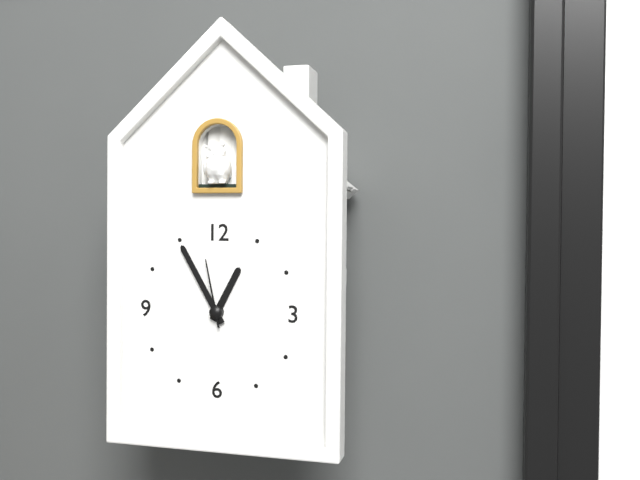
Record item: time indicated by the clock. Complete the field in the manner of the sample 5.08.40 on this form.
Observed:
12.55.58
